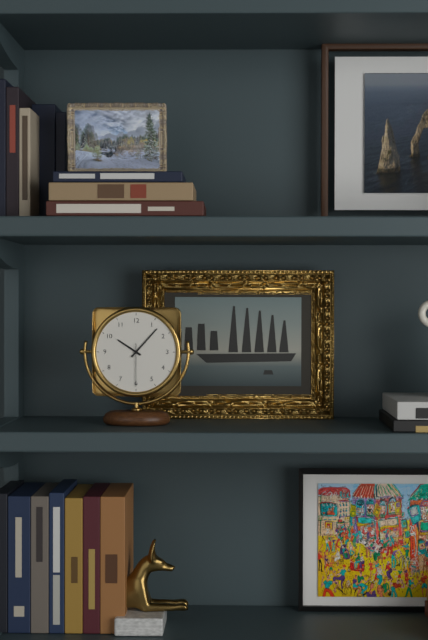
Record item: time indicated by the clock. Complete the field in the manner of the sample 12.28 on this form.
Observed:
10.07
